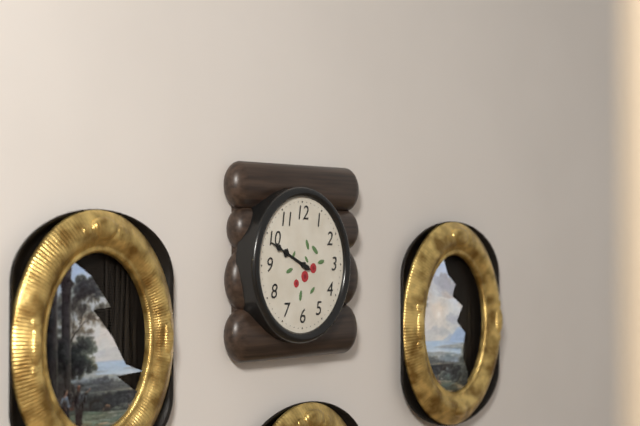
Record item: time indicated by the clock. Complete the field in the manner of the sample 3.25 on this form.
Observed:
9.49
